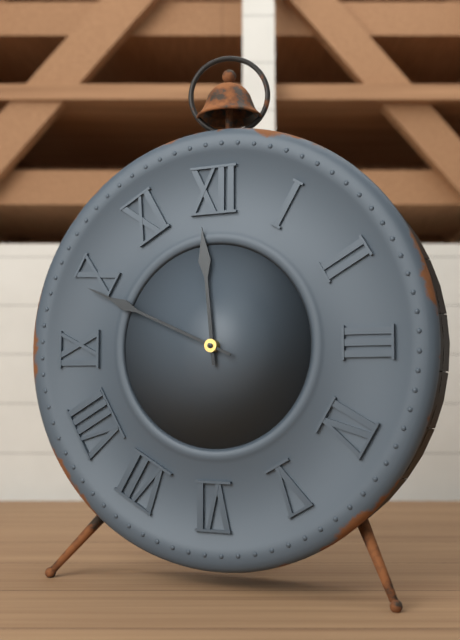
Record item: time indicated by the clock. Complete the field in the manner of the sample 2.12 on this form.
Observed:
11.49
